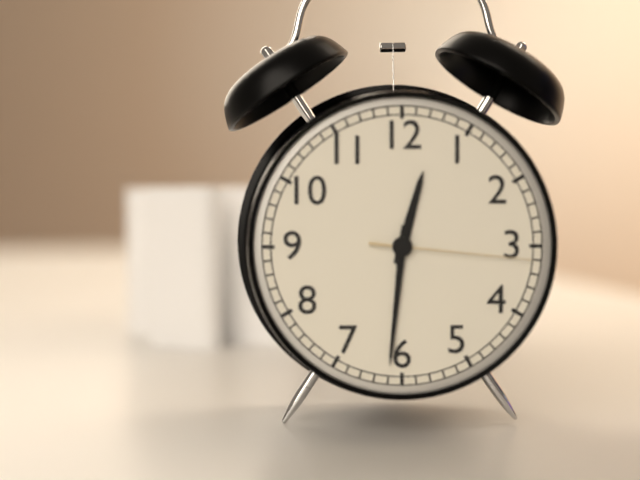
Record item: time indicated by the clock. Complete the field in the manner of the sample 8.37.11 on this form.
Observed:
12.31.16
